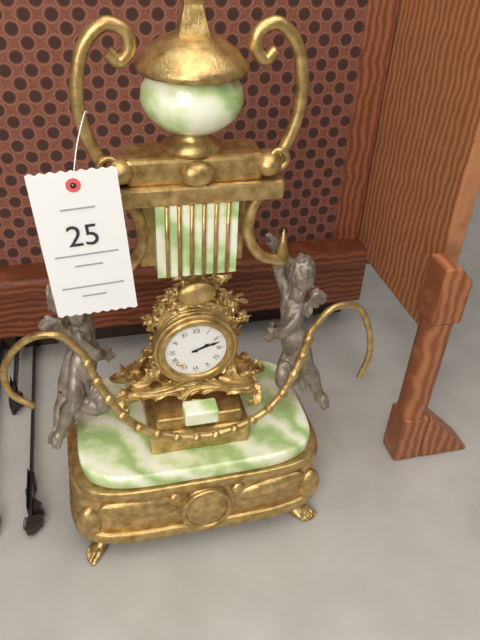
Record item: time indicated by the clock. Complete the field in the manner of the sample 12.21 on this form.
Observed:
2.12
